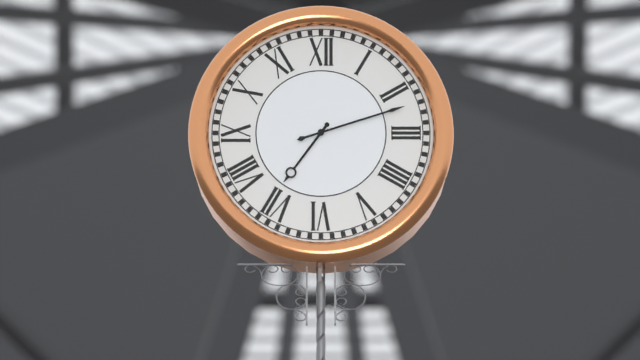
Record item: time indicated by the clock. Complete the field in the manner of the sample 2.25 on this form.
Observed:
7.12
